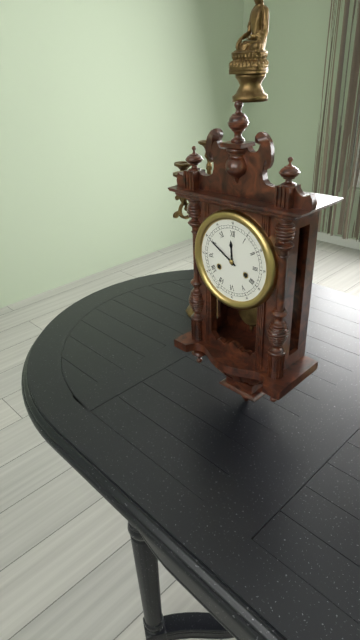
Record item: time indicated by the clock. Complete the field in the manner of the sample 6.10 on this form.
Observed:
11.50
